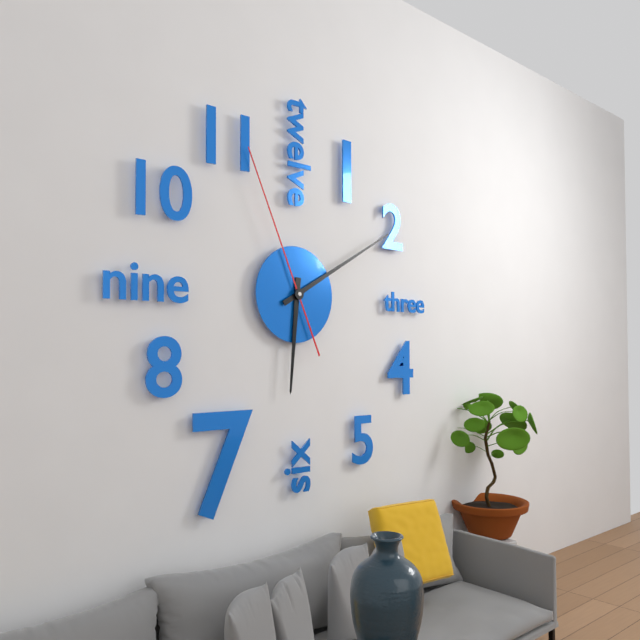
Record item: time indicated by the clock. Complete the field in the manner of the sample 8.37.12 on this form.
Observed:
6.10.56
